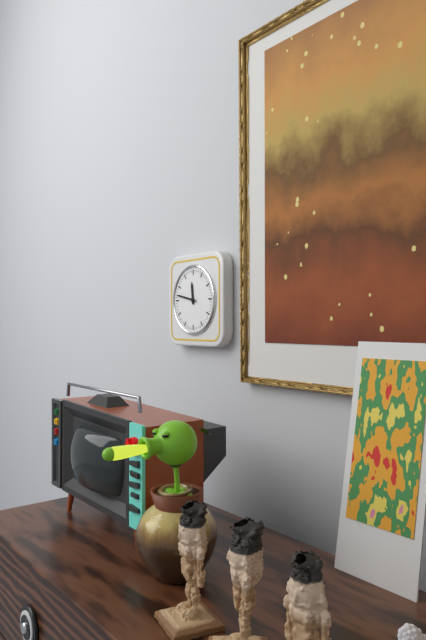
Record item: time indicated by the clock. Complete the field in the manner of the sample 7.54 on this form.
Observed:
11.47
